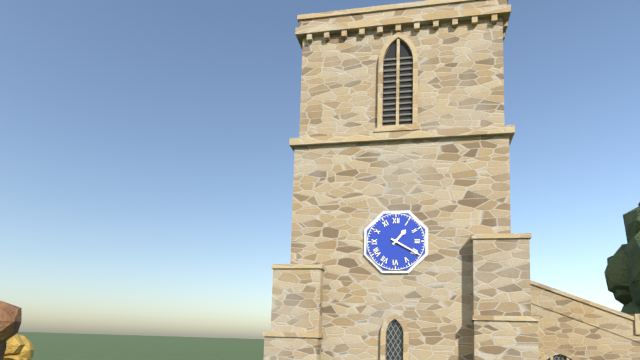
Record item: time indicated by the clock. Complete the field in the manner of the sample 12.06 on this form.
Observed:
1.20
